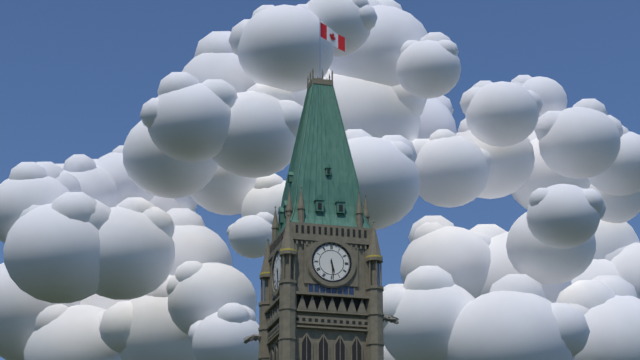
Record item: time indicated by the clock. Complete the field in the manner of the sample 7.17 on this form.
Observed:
5.29
